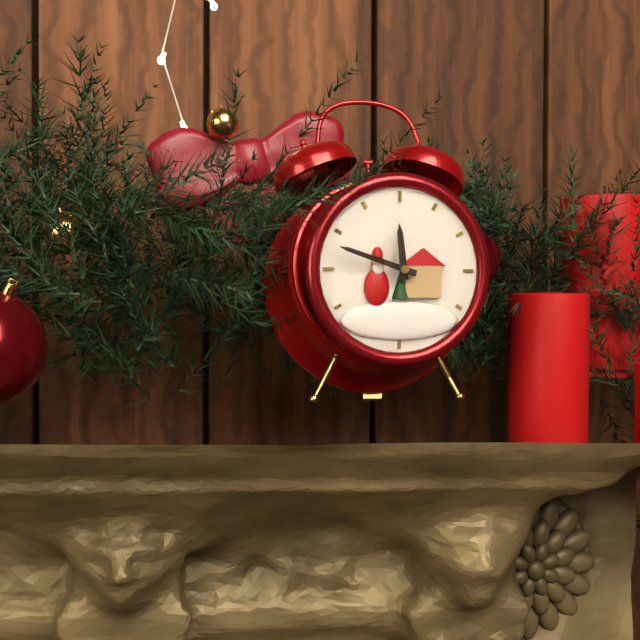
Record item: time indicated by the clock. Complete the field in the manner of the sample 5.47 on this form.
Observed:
11.48
